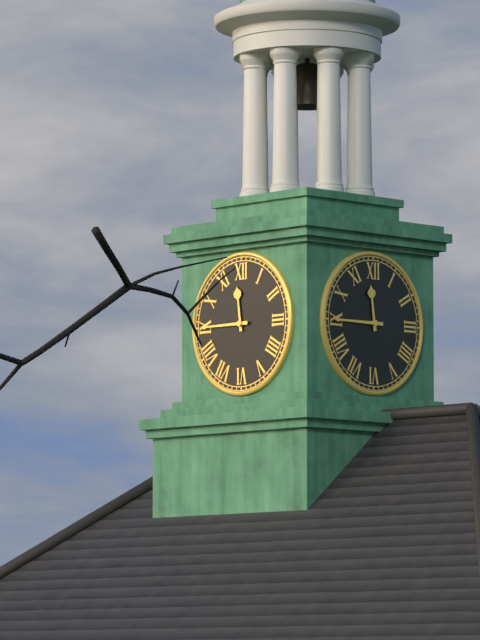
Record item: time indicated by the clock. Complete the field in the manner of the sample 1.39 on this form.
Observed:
11.45
